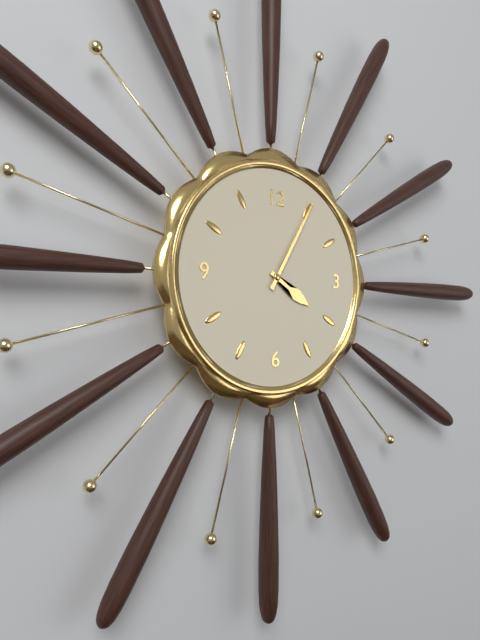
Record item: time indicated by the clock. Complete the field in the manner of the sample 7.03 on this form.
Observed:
4.05
